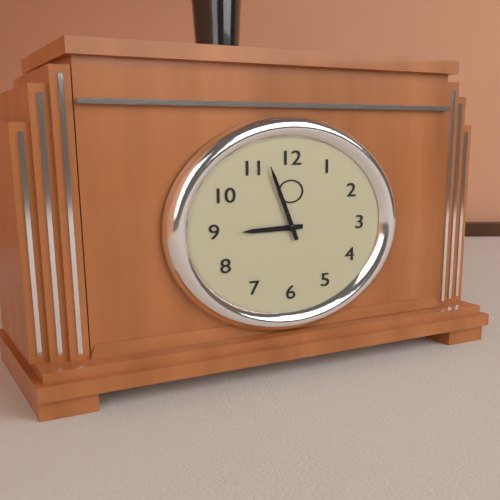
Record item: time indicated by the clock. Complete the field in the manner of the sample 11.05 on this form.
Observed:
8.57
